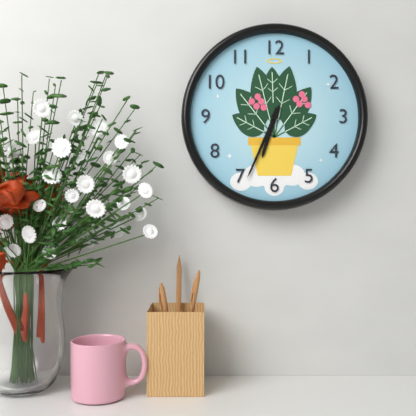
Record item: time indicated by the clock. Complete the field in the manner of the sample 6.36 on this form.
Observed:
6.34
